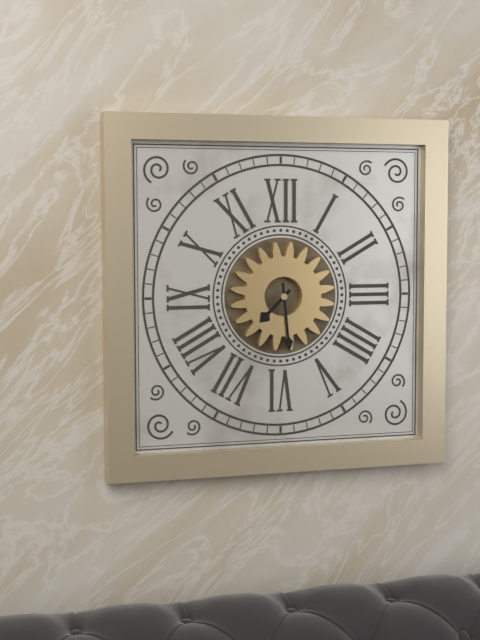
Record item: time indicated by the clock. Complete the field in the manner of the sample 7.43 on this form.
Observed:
7.29
